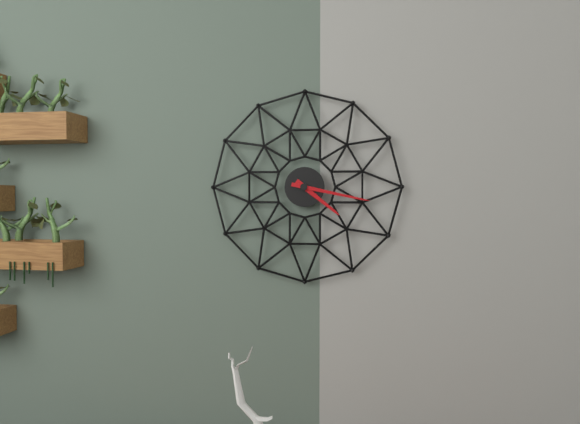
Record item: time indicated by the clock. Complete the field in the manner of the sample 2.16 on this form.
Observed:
4.17
